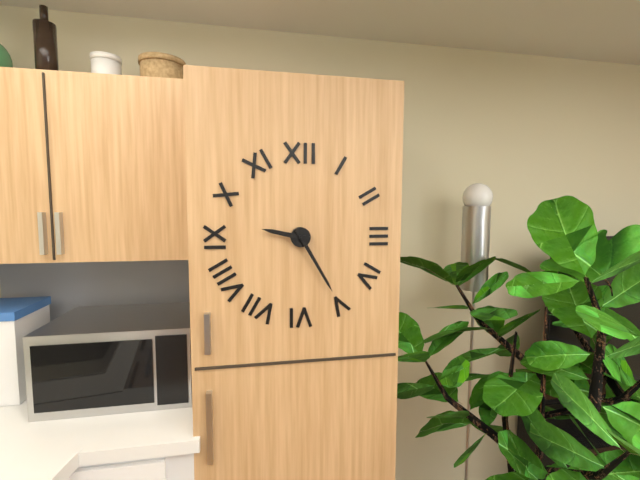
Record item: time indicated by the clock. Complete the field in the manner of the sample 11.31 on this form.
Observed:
9.25
